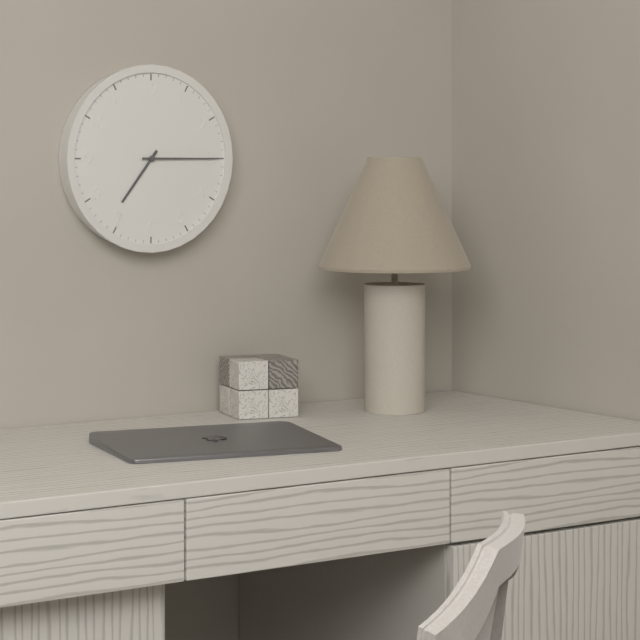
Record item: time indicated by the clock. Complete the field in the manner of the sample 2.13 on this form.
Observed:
7.15
